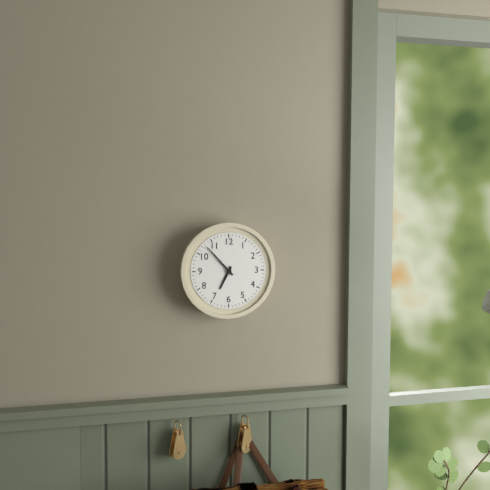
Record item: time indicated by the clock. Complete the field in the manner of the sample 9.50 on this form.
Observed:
6.53
